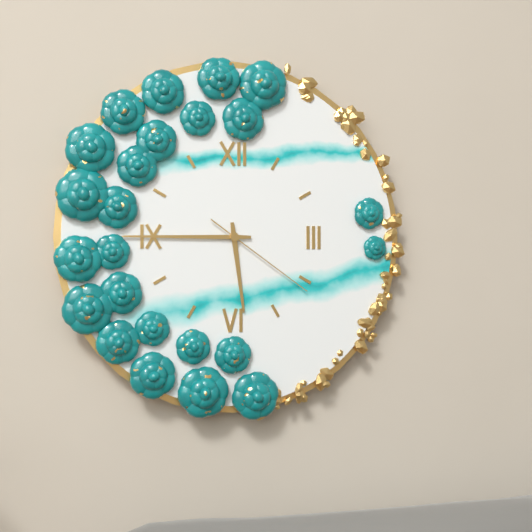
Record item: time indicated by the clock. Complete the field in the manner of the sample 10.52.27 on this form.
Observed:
5.45.21
